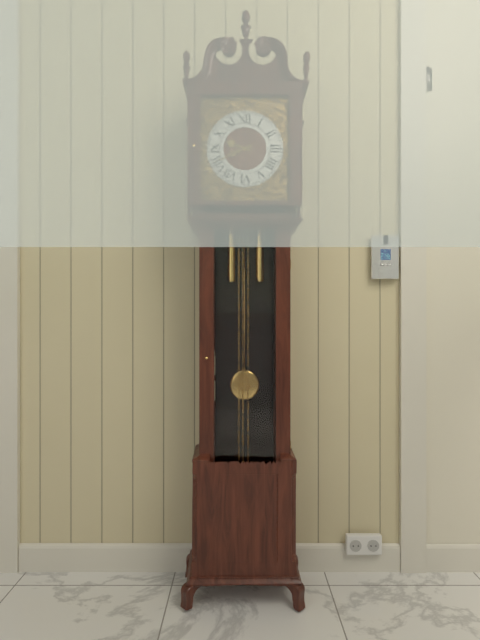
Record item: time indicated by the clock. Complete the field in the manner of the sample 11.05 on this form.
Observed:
9.41
